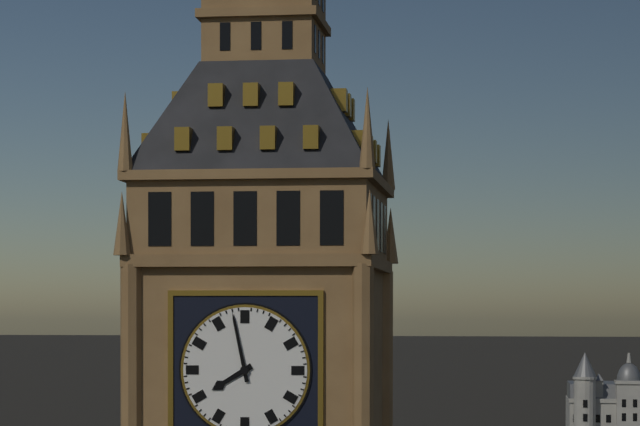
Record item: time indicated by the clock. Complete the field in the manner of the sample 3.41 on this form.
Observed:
7.58
